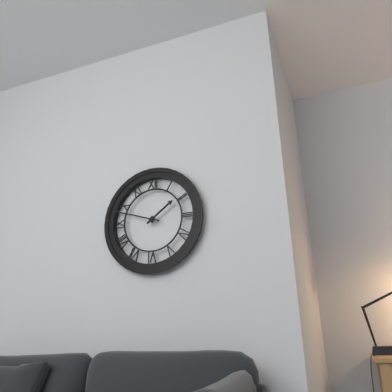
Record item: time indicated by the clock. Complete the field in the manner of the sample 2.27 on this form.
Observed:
1.48
